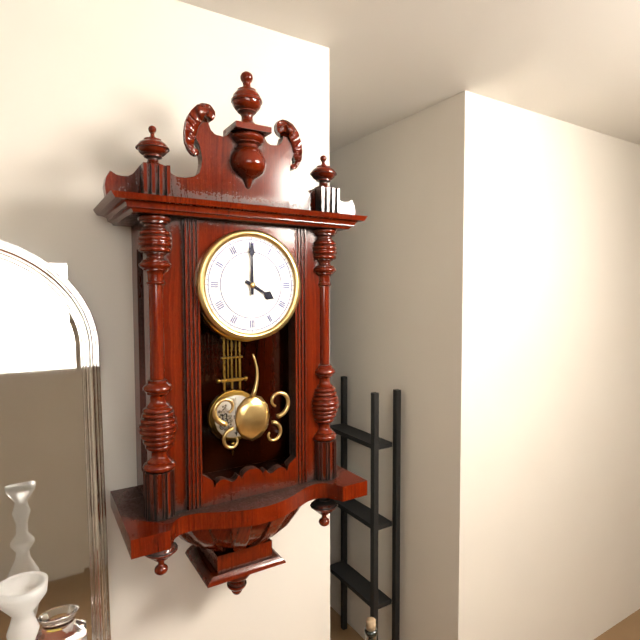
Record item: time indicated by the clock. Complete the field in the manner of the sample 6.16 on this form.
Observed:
4.00
